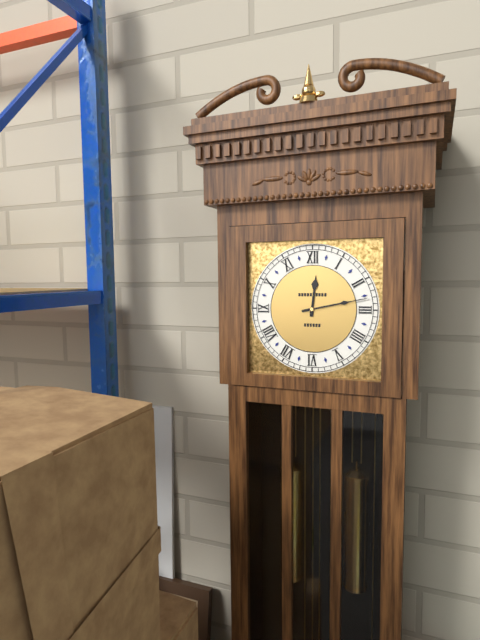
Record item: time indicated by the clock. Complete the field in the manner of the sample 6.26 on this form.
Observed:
12.13
